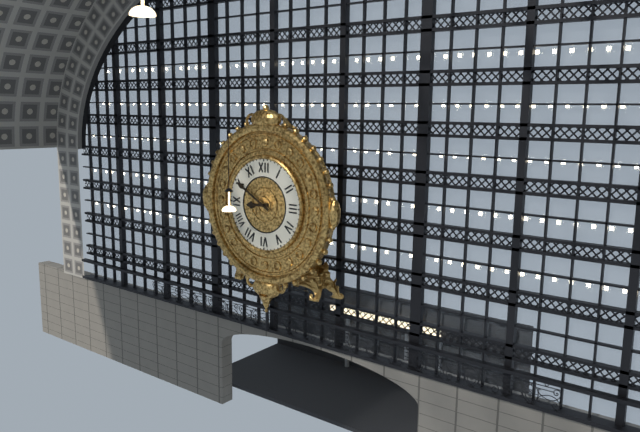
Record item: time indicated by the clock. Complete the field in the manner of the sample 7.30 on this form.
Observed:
8.50
